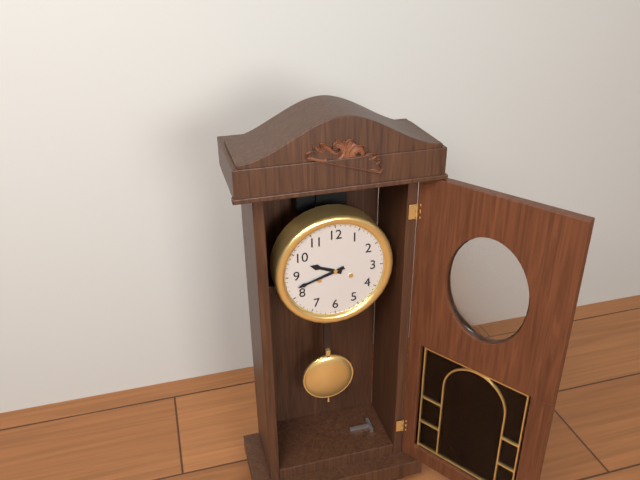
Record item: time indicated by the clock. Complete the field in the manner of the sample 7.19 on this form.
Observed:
9.42
